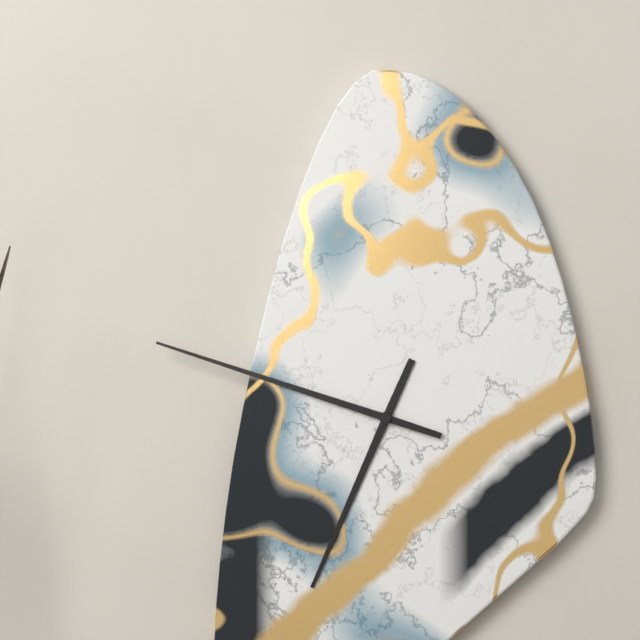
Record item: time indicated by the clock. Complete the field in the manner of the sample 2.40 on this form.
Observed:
6.48
